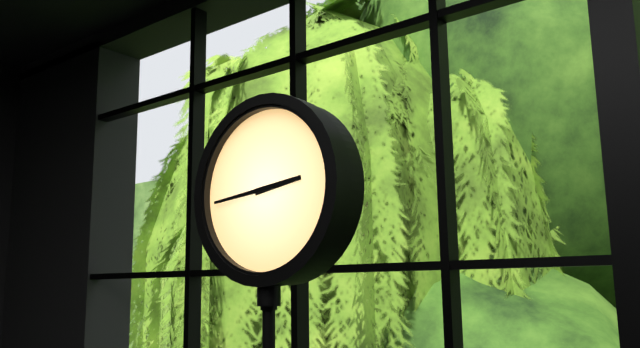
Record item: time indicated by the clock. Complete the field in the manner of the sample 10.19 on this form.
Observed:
2.44
